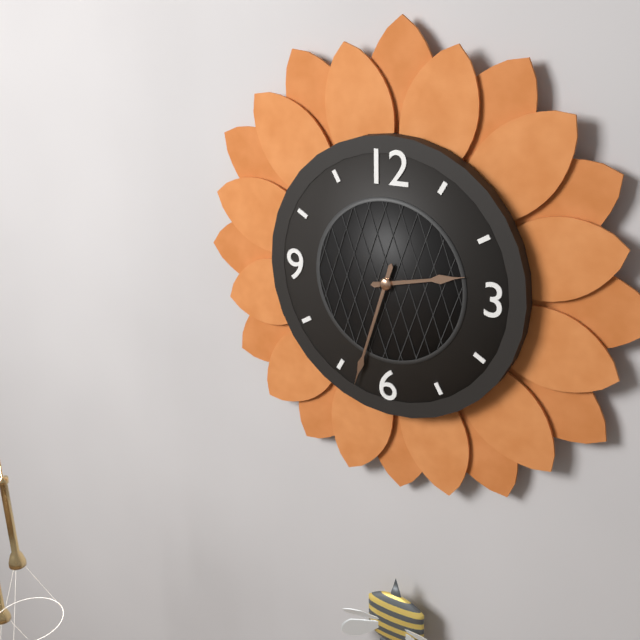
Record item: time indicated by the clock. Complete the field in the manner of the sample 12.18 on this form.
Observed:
2.33
